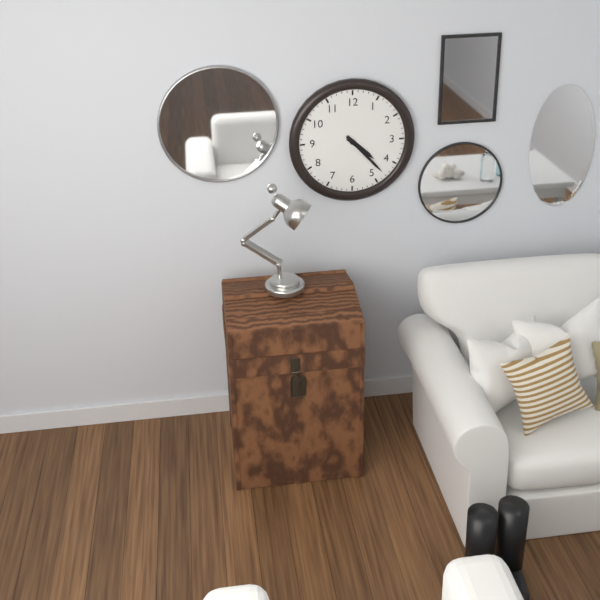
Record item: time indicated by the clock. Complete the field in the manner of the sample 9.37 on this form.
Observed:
4.23
